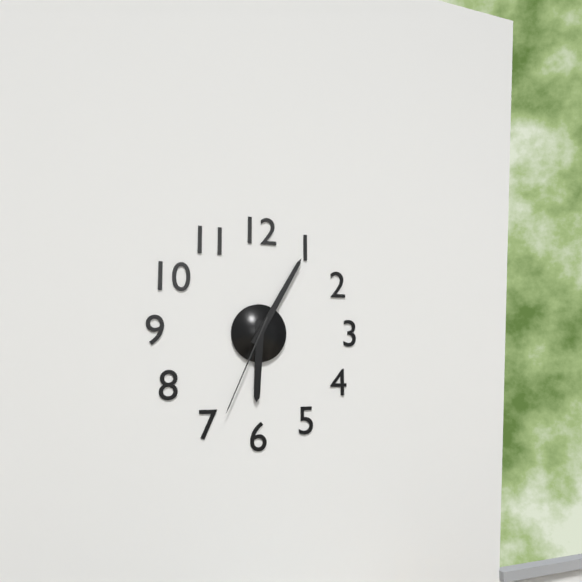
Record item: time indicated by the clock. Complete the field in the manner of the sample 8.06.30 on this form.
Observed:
6.05.34
